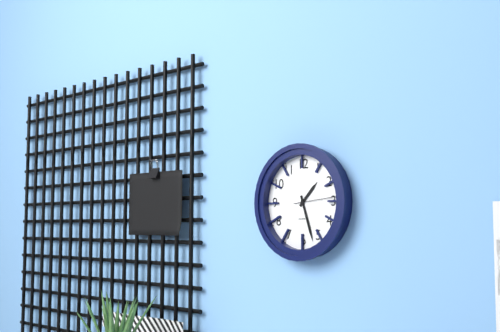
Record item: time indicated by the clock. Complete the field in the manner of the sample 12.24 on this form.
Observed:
1.27
